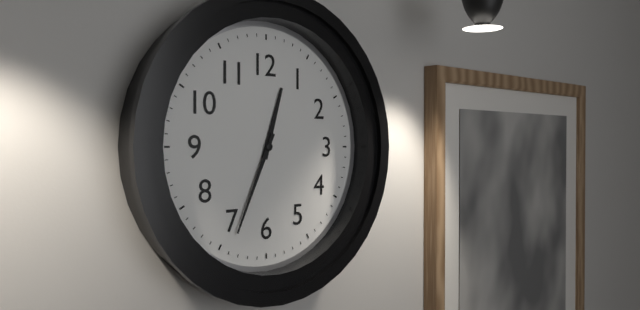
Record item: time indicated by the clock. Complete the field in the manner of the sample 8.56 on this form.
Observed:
12.34
